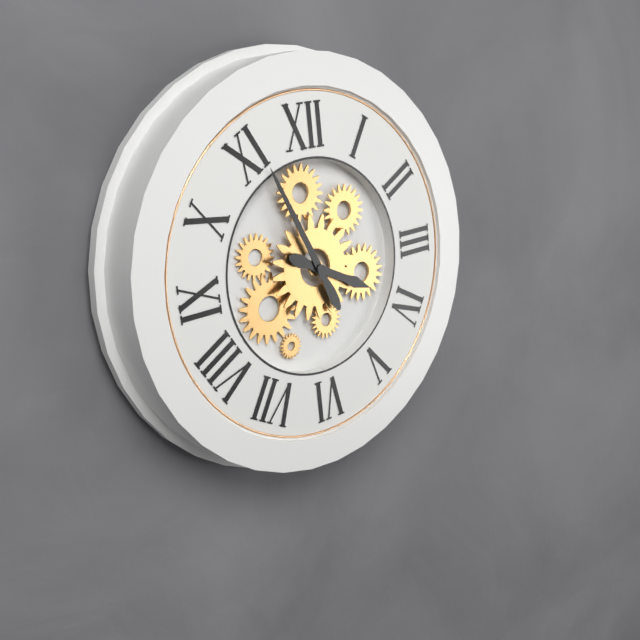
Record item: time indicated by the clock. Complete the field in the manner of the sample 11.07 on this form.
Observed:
3.56
